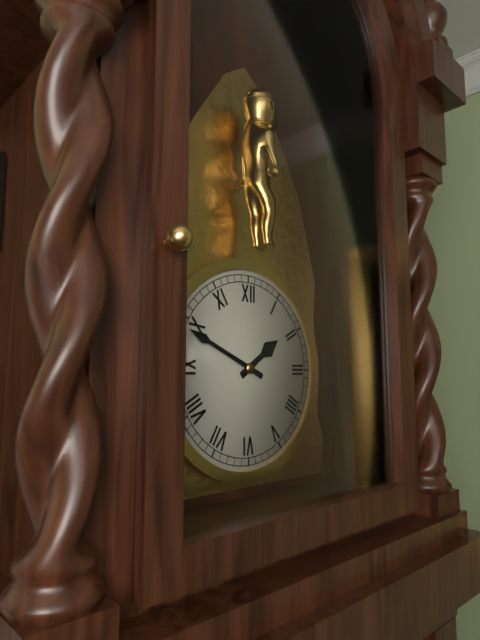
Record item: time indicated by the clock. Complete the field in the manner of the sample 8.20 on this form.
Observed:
1.49
